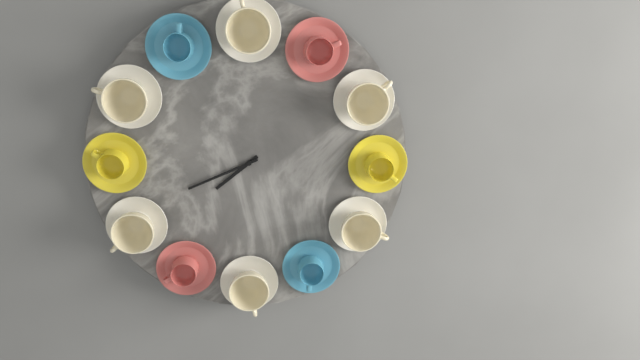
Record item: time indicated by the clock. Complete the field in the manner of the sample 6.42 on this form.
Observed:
7.41
